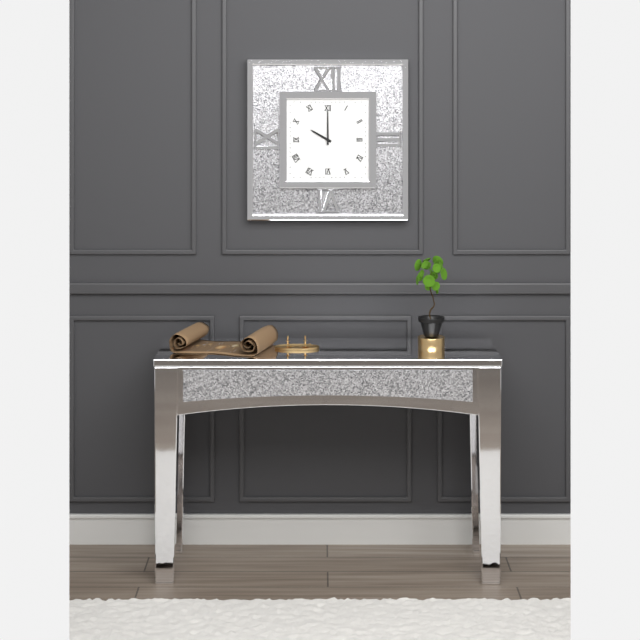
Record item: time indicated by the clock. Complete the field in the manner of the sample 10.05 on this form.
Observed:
10.00
